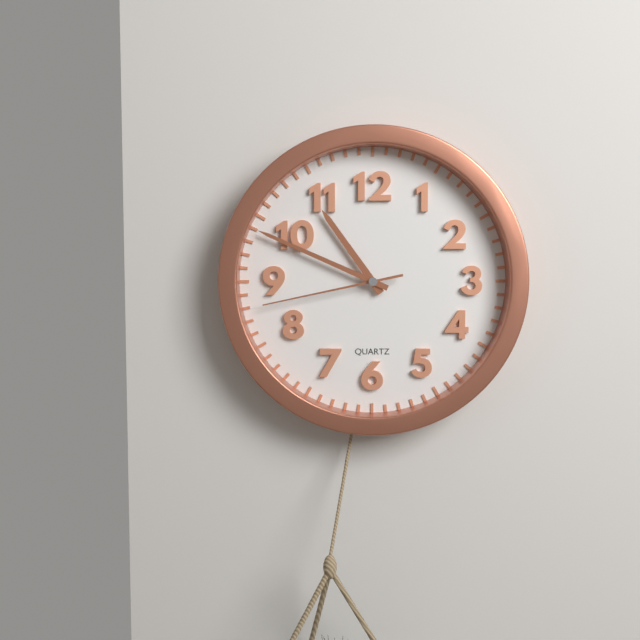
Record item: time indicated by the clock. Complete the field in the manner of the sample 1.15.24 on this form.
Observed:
10.49.43
